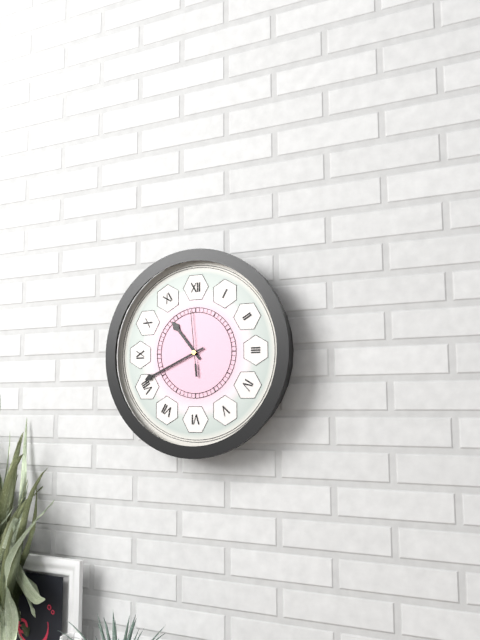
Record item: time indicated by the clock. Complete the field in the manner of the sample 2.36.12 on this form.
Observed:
10.41.59
